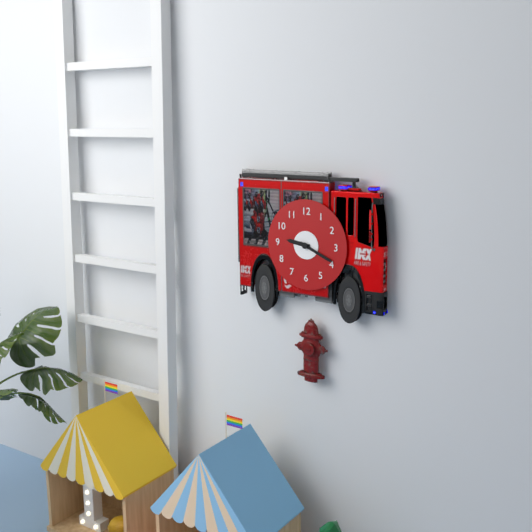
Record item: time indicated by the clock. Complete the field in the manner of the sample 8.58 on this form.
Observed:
9.19
